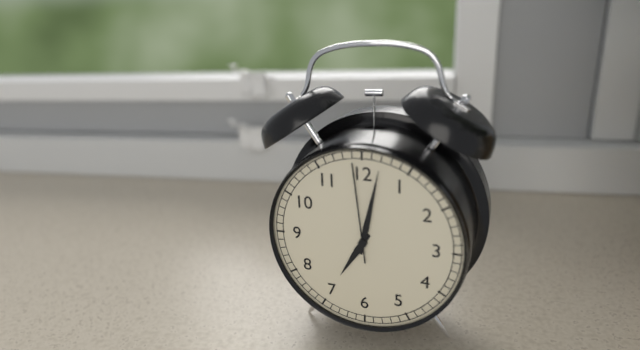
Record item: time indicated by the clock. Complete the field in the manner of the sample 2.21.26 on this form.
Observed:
7.02.59
